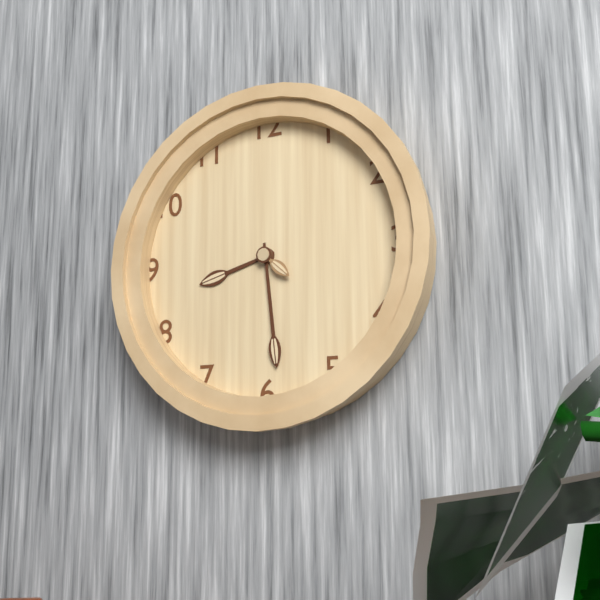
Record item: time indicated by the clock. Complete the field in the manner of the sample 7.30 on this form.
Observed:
8.29
